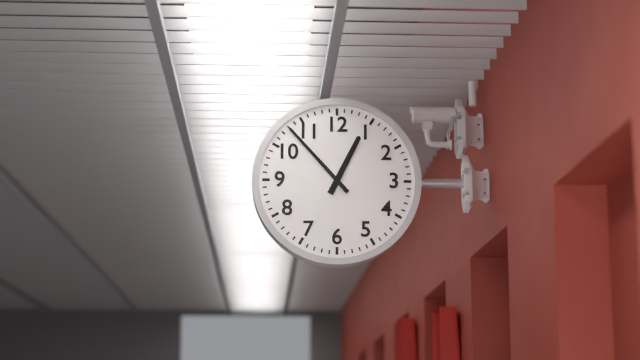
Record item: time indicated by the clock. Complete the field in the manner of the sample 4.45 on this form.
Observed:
12.53
